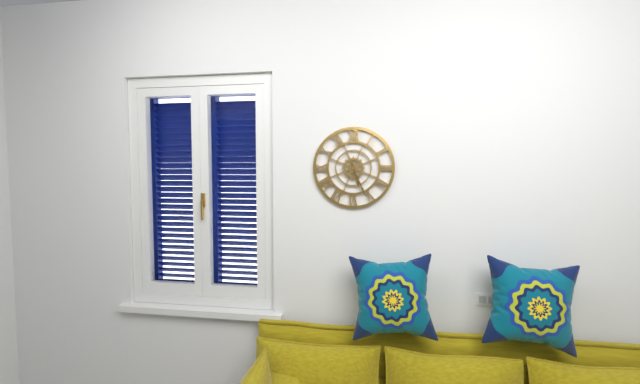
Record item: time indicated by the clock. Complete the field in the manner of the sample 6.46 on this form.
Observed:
5.26
